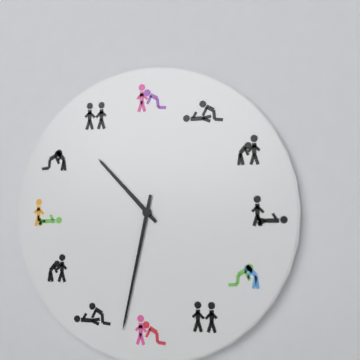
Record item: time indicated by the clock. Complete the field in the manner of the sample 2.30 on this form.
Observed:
10.32
